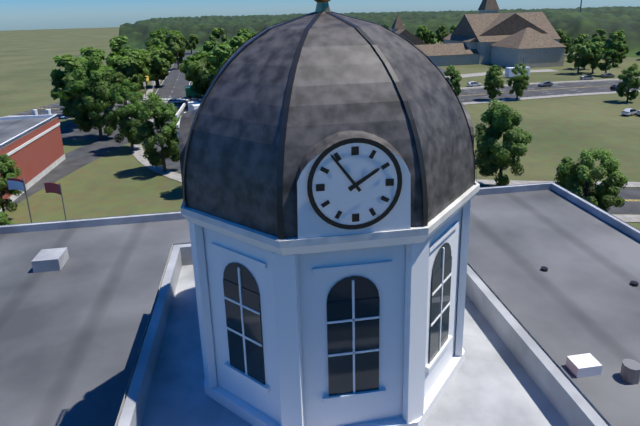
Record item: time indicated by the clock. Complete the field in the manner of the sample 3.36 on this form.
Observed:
1.54
